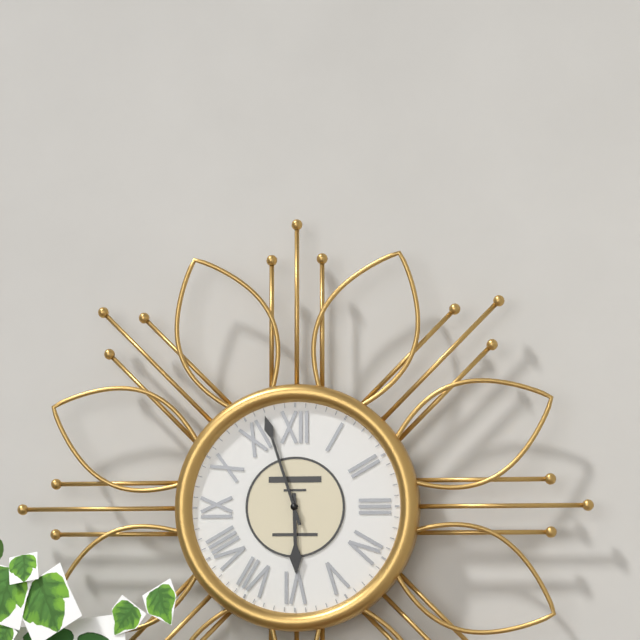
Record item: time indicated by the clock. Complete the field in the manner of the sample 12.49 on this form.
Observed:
5.57
